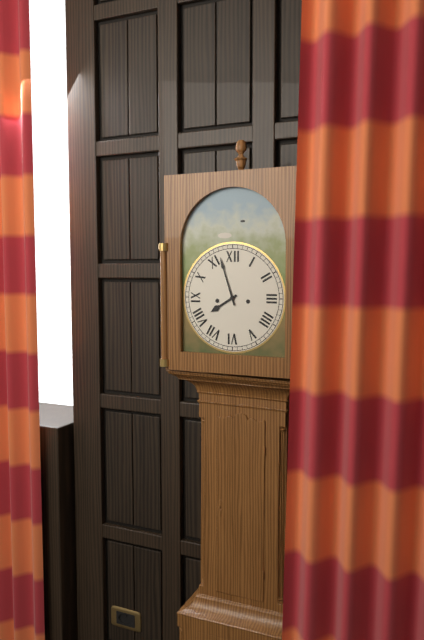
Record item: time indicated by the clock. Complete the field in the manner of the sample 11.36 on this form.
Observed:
7.57
